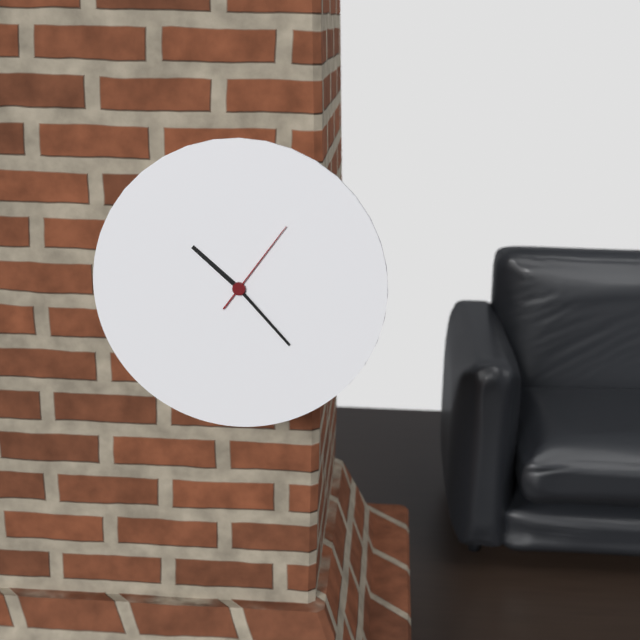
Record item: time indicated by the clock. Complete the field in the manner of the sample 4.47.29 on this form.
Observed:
10.23.06
